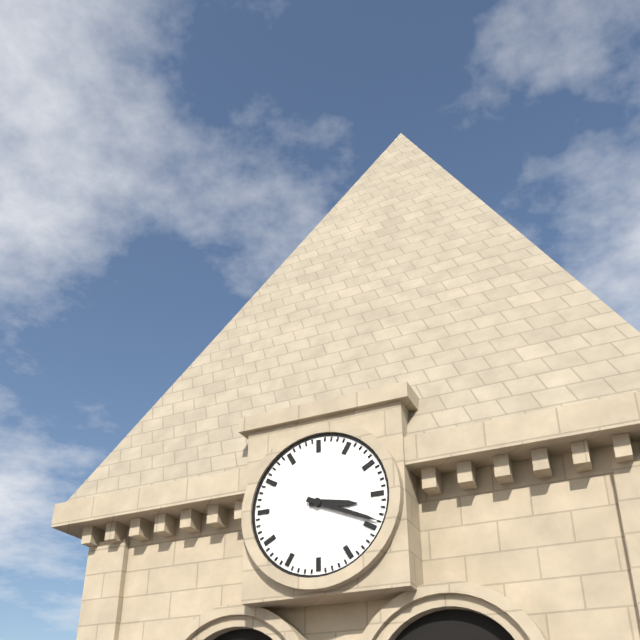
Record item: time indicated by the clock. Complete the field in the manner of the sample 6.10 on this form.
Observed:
3.19
